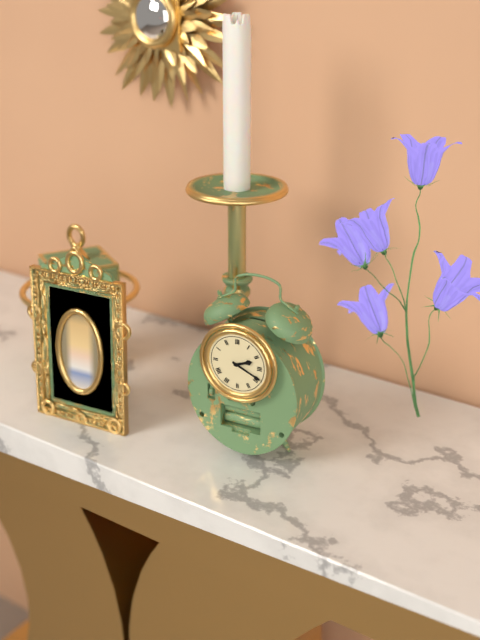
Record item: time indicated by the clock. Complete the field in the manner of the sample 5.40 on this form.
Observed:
2.19
